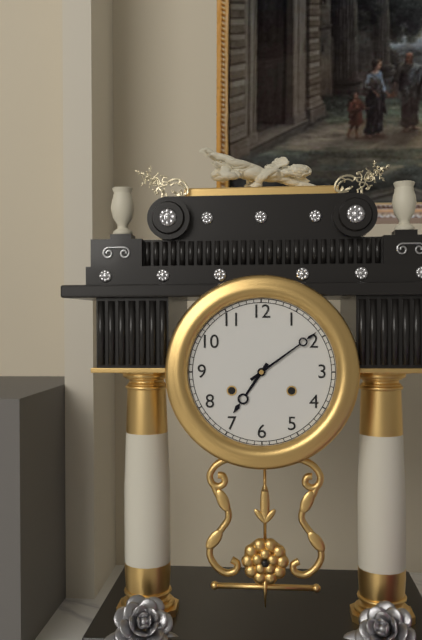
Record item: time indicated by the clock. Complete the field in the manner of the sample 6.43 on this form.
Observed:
7.09
